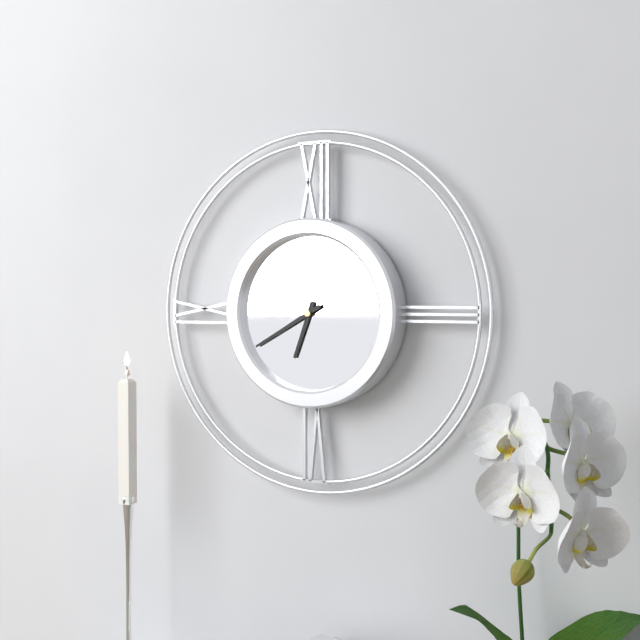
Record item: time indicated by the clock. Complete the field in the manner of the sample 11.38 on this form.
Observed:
6.40
